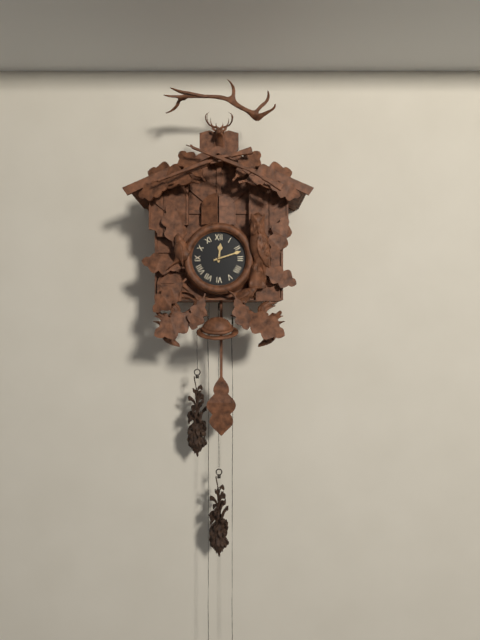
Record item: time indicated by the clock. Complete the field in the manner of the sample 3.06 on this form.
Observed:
12.12
